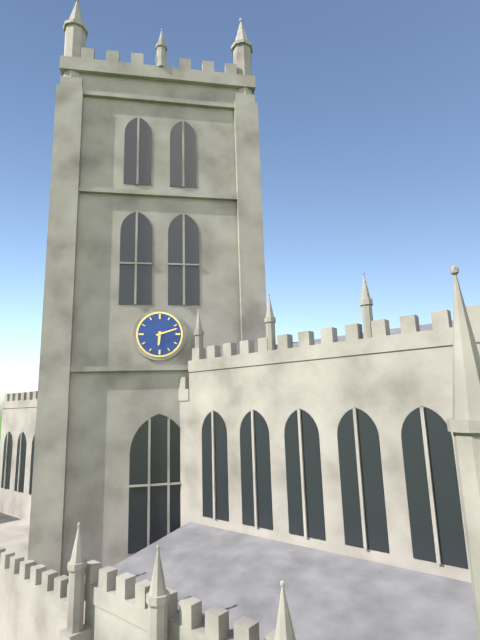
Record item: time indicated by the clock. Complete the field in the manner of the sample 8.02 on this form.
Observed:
6.12
